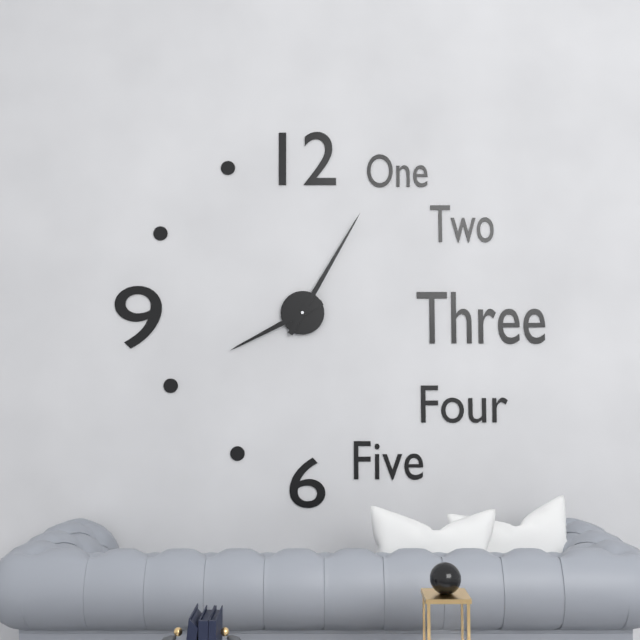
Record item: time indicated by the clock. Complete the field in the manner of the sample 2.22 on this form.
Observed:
8.05
